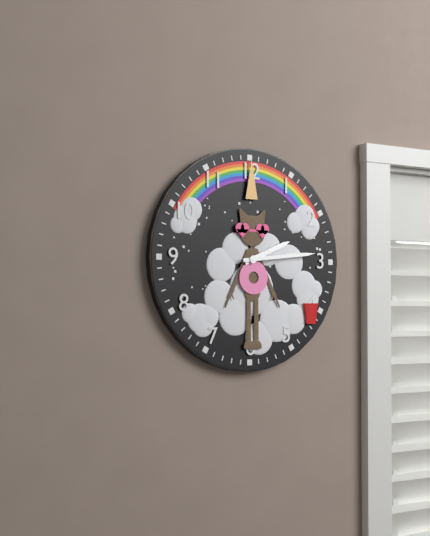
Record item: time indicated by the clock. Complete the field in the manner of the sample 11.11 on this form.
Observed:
2.14
